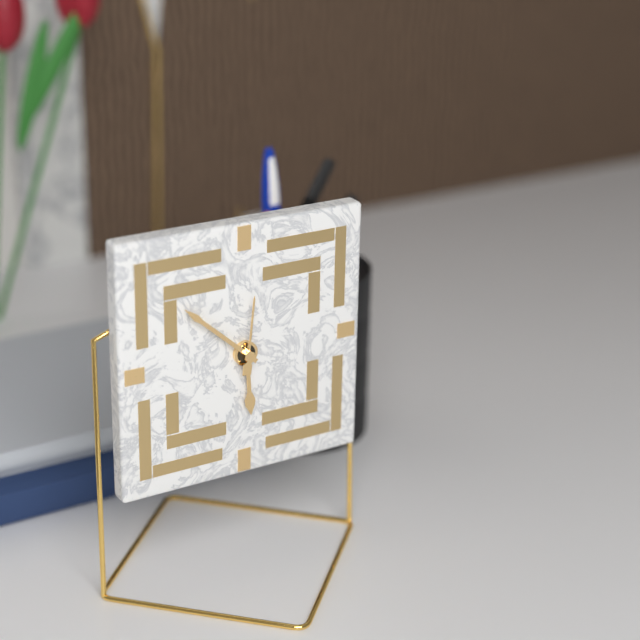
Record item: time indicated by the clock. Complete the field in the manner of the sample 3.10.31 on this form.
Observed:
5.52.01
